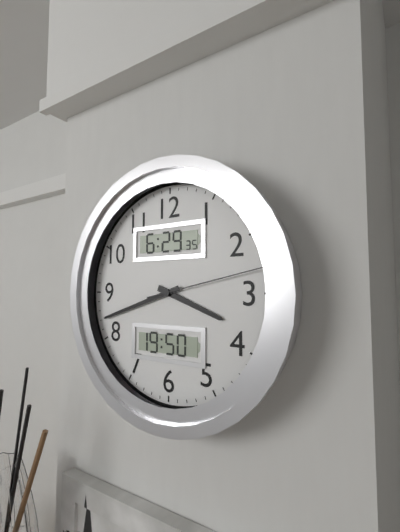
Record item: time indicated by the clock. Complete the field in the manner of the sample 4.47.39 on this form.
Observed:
3.42.13
